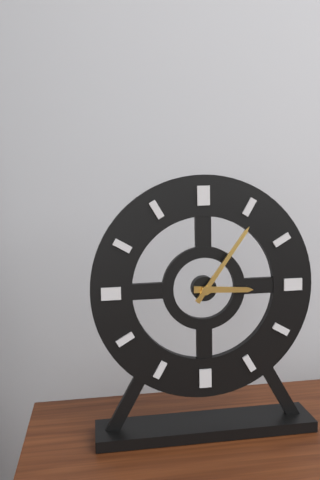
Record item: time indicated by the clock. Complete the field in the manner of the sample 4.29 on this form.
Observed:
3.06
